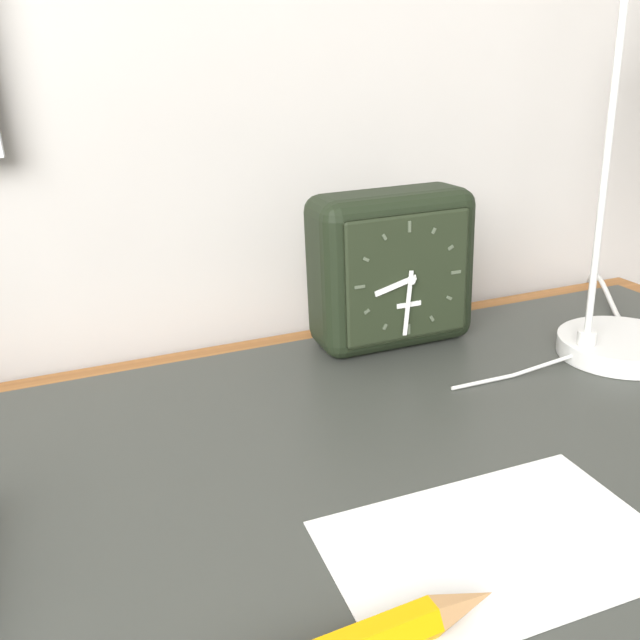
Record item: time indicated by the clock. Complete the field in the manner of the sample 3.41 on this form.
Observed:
8.31
